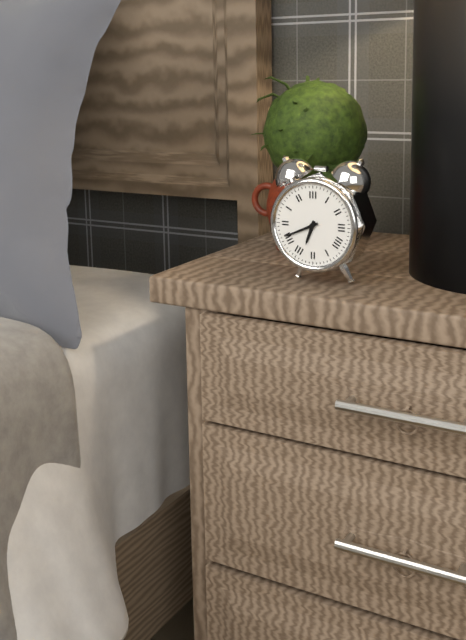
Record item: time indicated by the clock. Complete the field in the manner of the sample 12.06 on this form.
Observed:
6.41
